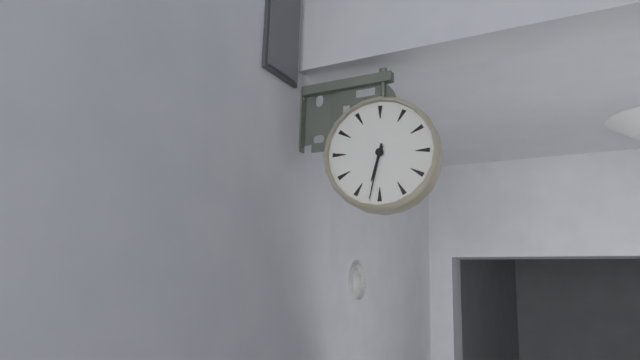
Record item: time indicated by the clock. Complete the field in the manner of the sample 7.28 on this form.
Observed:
6.32
